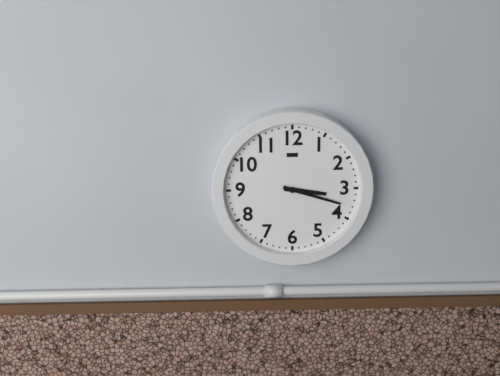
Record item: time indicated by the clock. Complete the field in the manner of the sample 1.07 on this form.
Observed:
3.18
